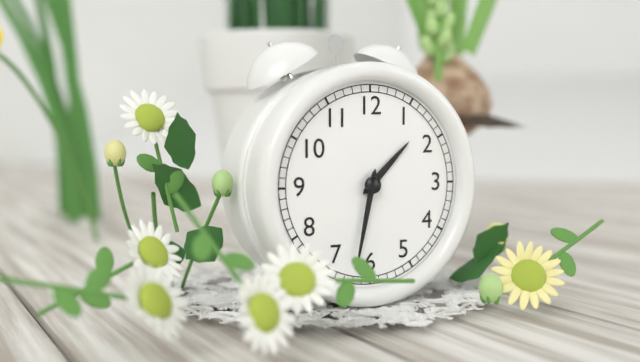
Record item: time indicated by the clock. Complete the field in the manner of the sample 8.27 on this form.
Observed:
1.32
